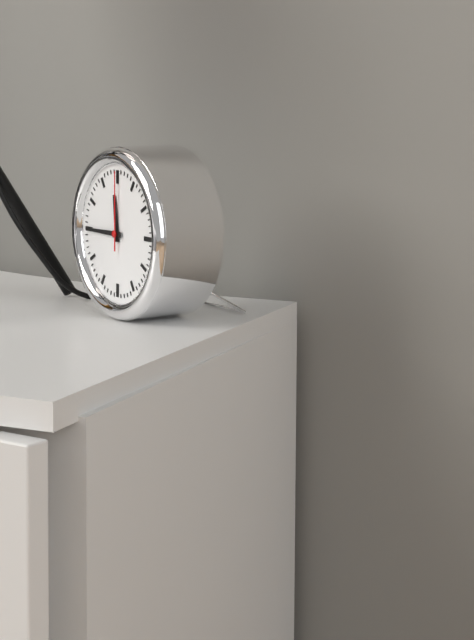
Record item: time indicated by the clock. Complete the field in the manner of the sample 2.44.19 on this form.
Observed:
11.45.00
